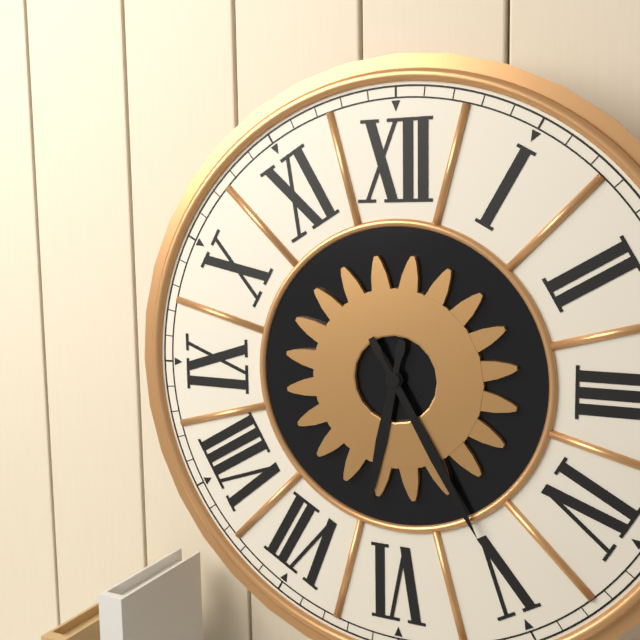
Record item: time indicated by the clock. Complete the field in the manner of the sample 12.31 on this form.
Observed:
6.25
